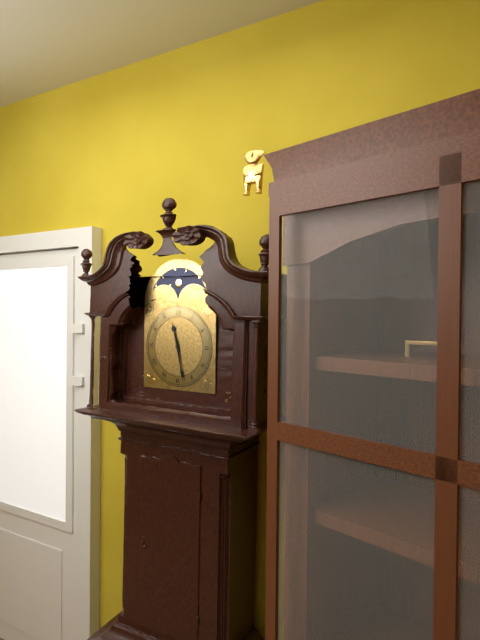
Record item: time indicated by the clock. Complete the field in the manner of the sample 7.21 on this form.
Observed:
11.28
